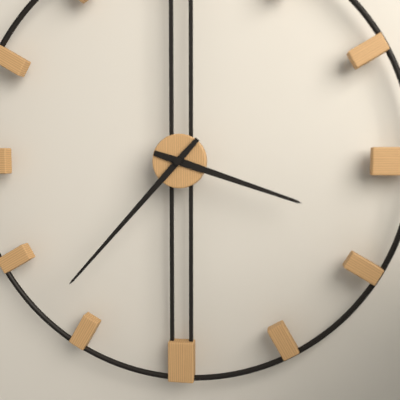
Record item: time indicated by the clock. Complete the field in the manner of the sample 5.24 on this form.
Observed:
3.37
